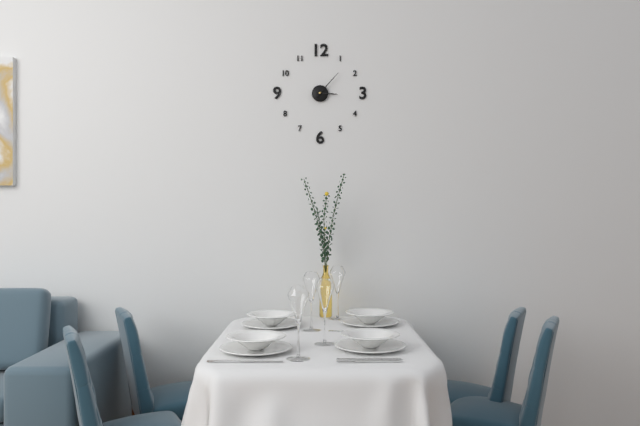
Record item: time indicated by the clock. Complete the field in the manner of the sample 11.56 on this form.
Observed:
3.07
